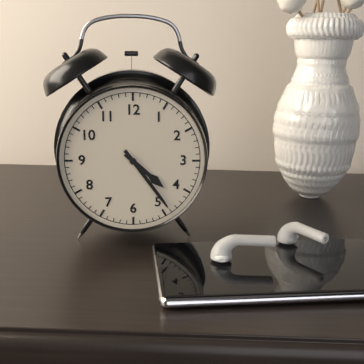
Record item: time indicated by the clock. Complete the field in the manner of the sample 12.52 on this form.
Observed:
4.24
